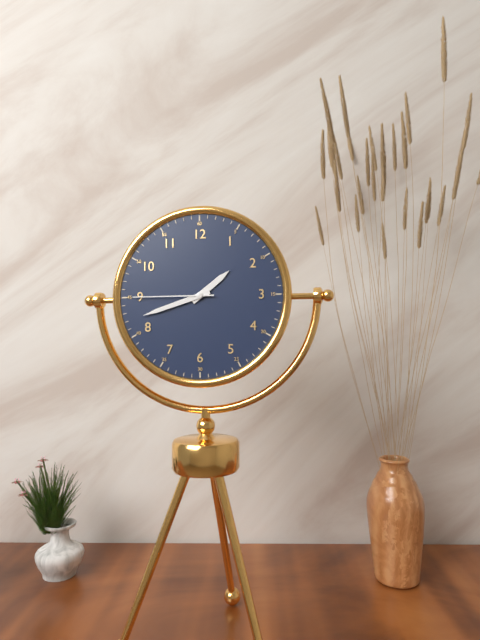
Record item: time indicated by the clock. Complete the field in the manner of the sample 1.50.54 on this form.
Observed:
1.42.45
